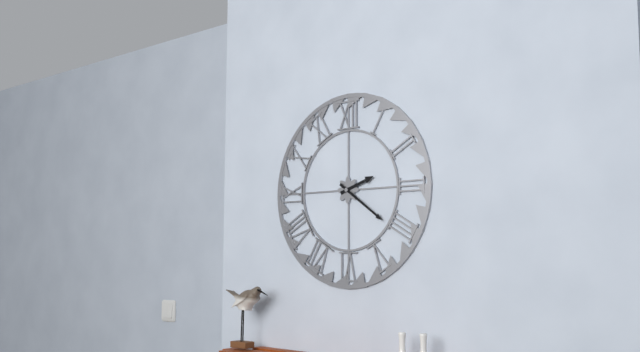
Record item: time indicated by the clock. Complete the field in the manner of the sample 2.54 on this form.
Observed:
2.21
